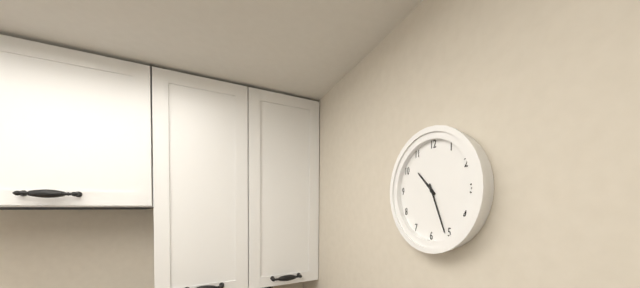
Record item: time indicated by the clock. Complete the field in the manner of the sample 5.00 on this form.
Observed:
10.26
